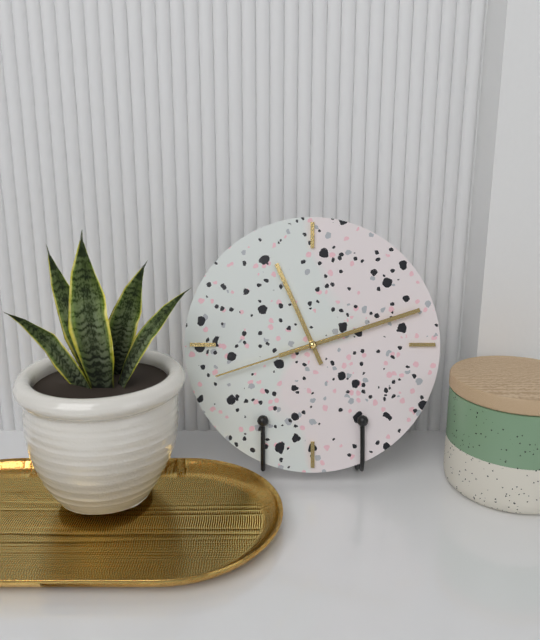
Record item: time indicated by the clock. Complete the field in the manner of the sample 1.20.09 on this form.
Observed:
11.12.42
